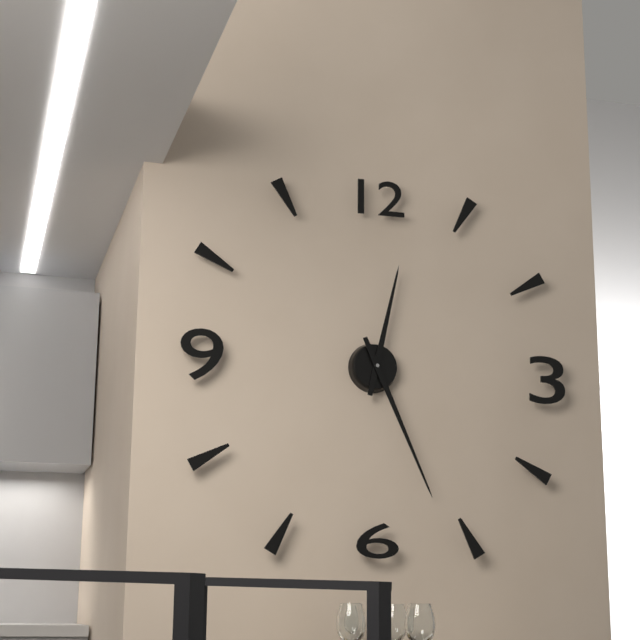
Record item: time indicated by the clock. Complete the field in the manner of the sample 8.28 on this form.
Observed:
12.26
